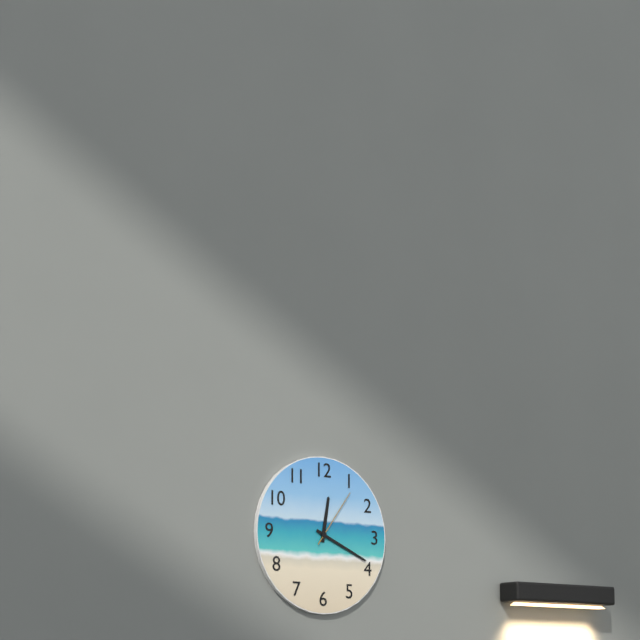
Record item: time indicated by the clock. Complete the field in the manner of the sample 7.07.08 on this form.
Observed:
12.19.06
